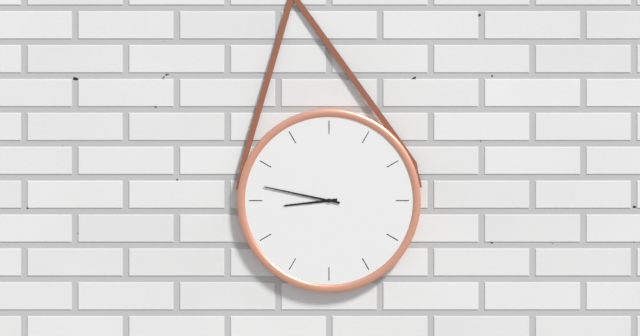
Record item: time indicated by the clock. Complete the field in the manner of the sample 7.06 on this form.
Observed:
8.47
